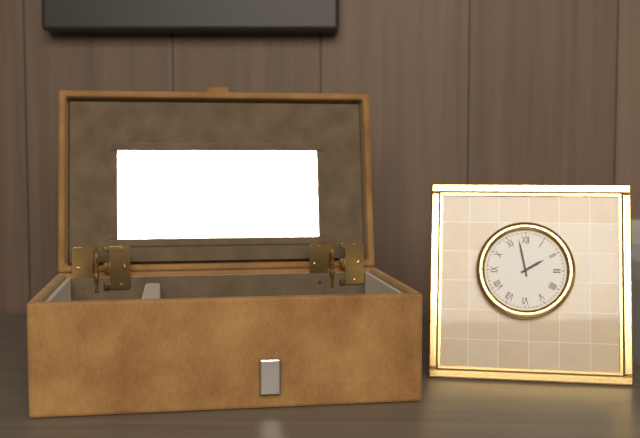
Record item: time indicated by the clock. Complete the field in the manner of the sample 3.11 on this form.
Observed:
1.58
